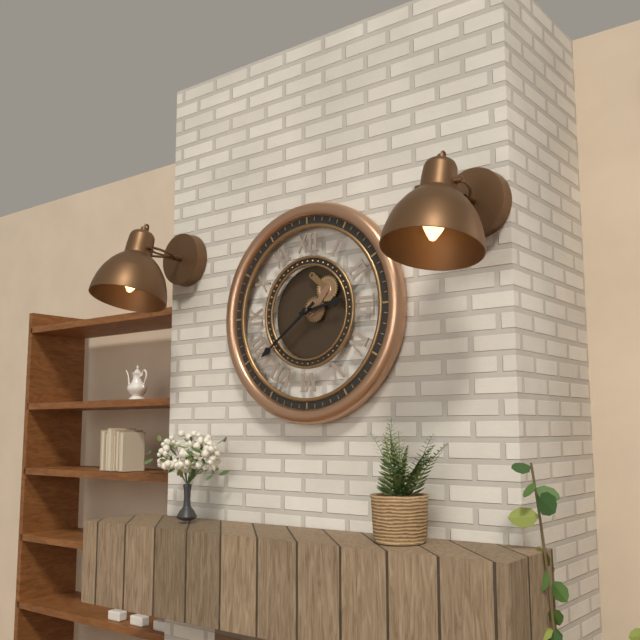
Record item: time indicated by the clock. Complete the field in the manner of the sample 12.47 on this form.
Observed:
2.39
